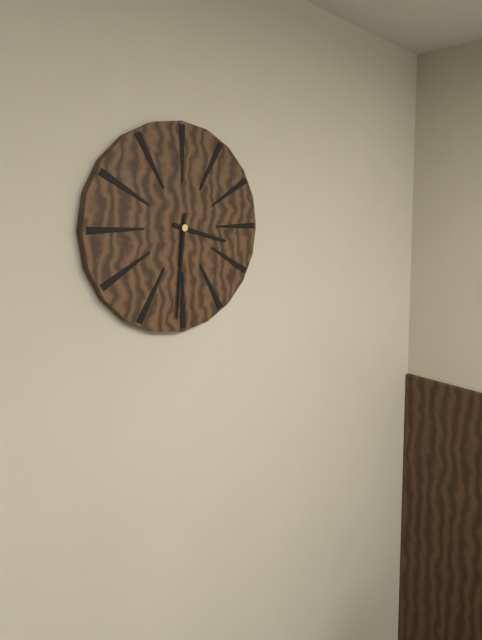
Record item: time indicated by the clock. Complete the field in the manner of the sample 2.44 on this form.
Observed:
3.31
